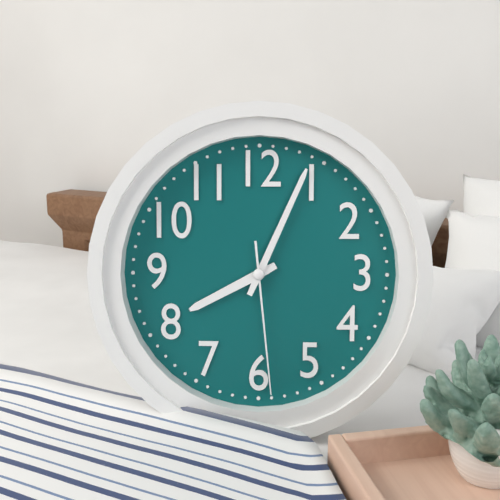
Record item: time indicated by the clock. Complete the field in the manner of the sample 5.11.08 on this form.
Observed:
8.04.29
